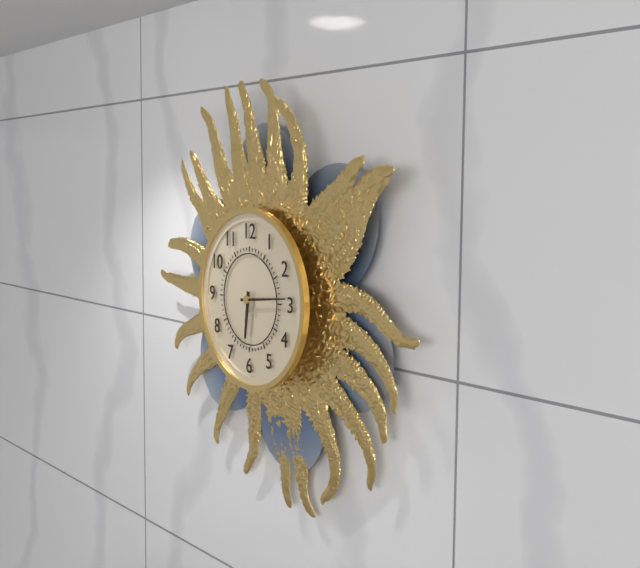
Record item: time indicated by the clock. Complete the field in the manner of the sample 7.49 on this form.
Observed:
6.14
